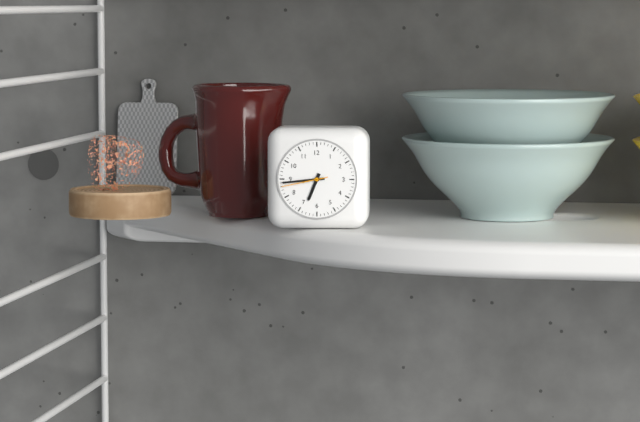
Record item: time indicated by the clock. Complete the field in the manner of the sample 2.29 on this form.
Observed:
6.44
